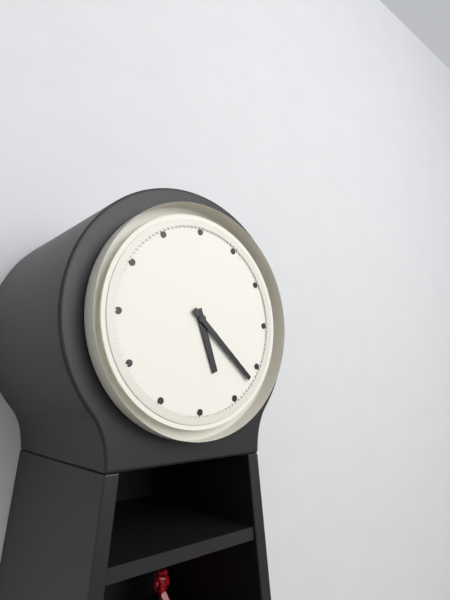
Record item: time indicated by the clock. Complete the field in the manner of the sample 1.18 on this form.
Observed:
5.22
